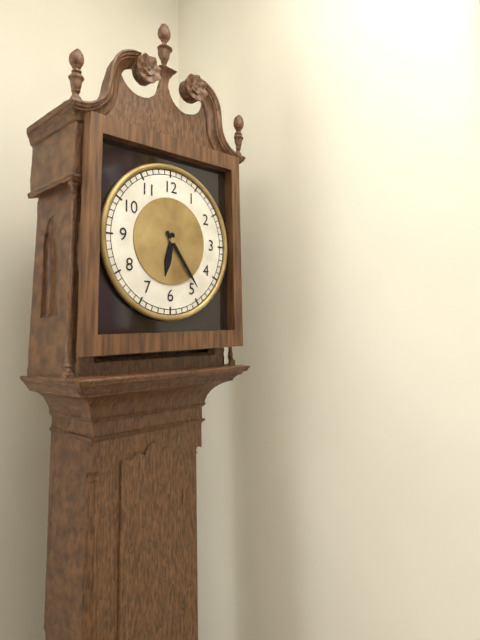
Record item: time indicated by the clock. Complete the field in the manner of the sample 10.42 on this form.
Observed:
6.24
